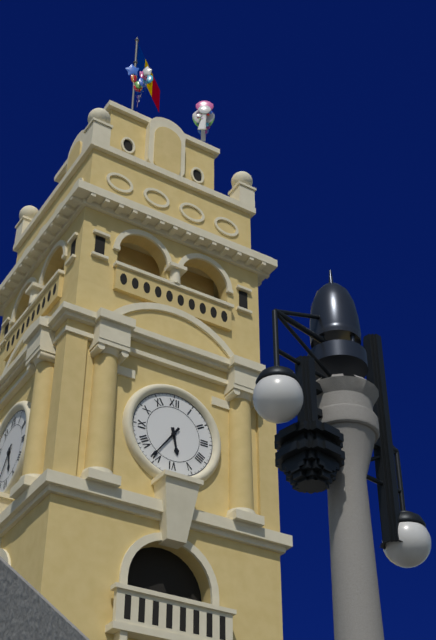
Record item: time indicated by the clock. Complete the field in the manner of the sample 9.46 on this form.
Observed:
5.36
